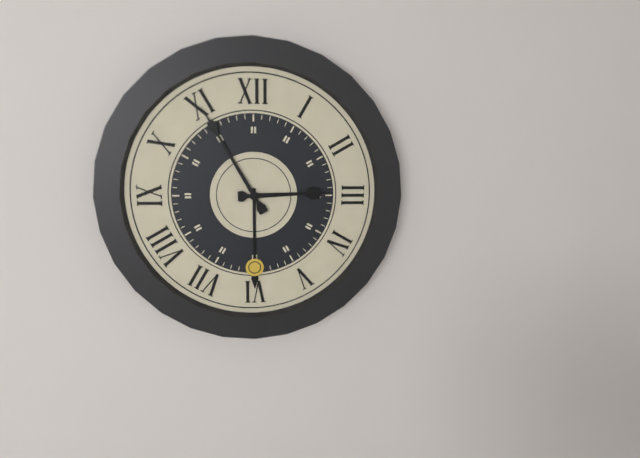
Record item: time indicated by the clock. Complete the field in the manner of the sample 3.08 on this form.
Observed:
2.55
